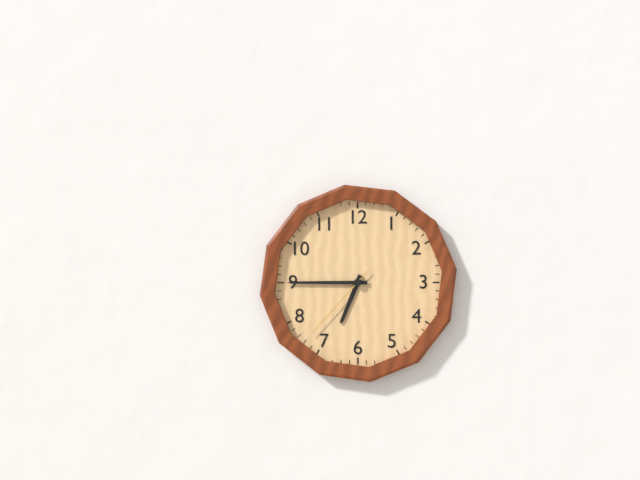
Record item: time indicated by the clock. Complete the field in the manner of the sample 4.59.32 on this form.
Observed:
6.45.37
